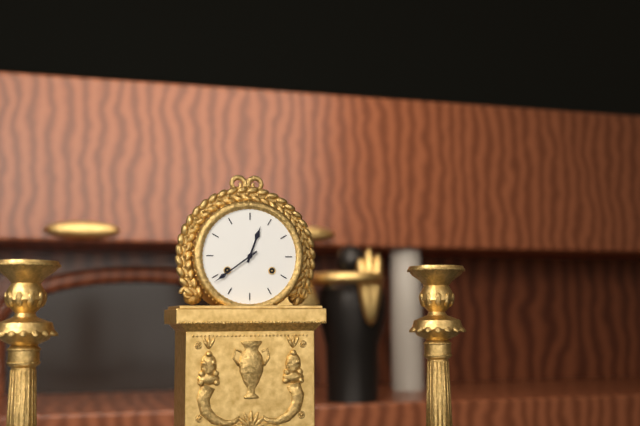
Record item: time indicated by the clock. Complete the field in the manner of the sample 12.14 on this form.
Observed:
12.39
